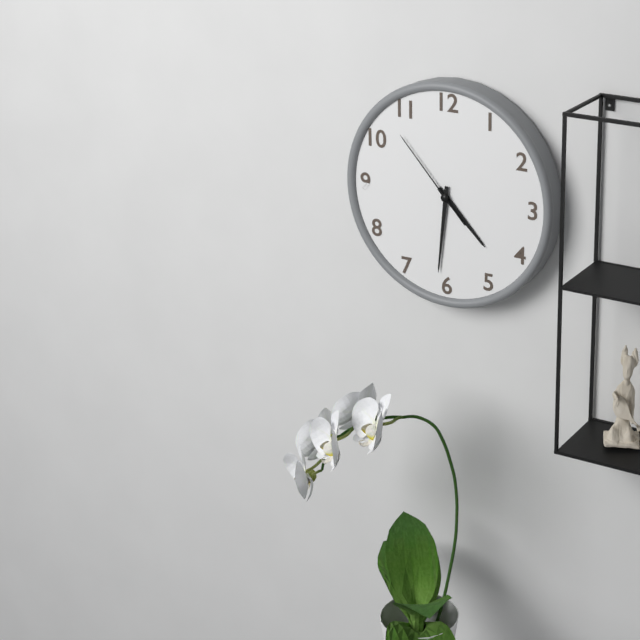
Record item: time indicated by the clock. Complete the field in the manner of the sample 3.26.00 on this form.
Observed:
4.31.53
